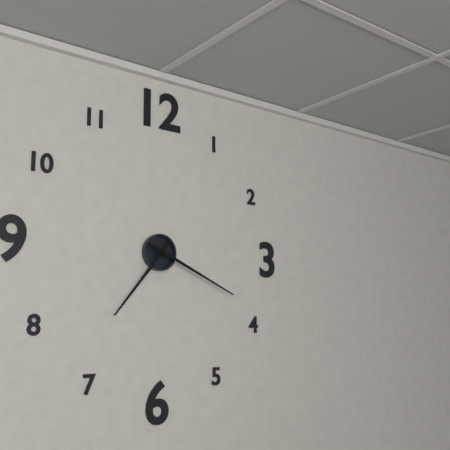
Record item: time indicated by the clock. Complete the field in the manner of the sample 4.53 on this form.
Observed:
7.19
